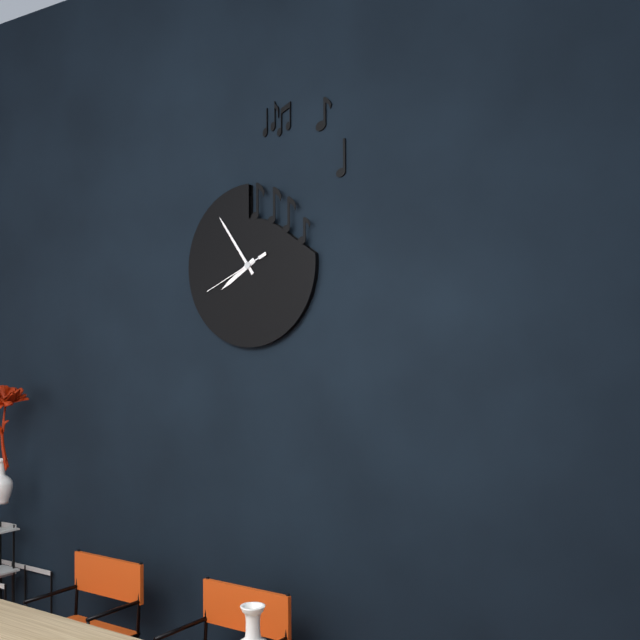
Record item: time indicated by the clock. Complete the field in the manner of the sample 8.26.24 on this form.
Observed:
7.54.41
